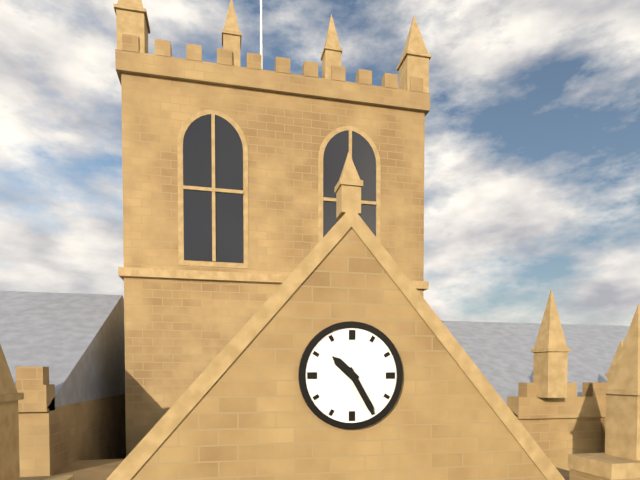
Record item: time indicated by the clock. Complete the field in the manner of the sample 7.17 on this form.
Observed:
10.25
